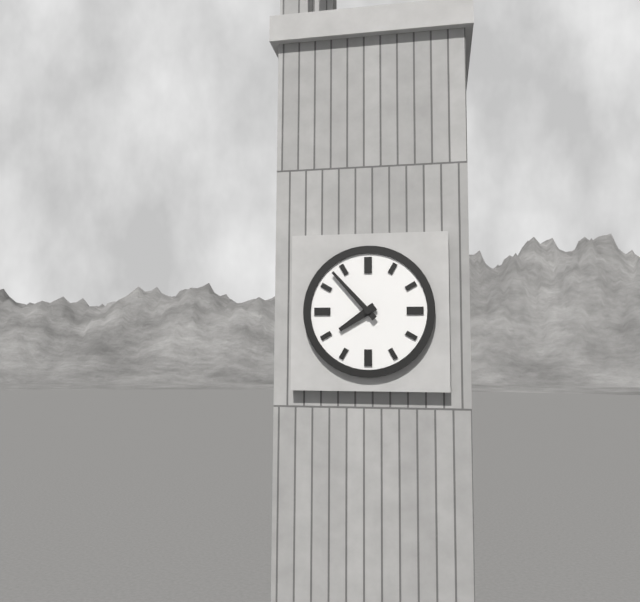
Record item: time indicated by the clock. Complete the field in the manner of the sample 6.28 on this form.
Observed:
7.53
